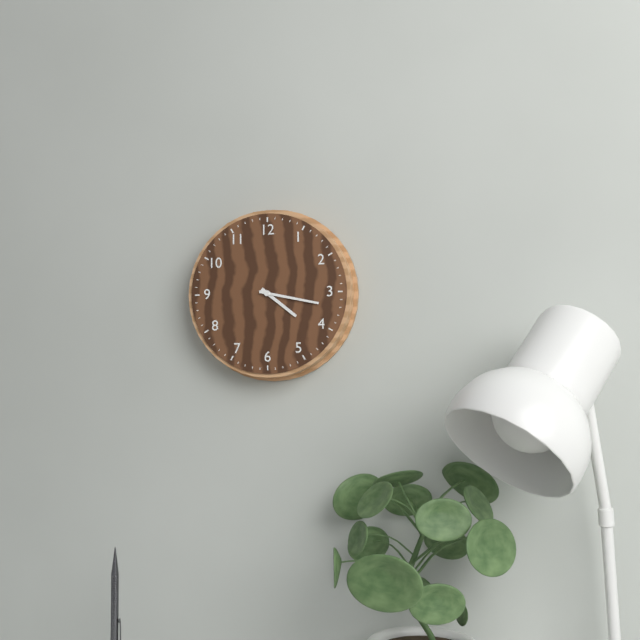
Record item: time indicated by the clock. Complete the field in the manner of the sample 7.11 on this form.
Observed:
4.17
